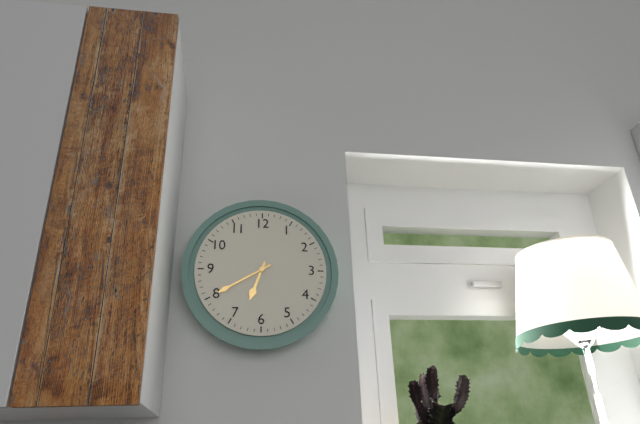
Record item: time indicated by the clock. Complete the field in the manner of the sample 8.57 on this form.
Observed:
6.40
